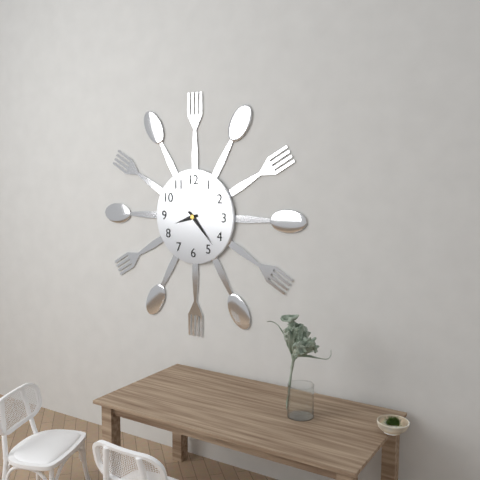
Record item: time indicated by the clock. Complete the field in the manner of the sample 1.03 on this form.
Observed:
8.23
